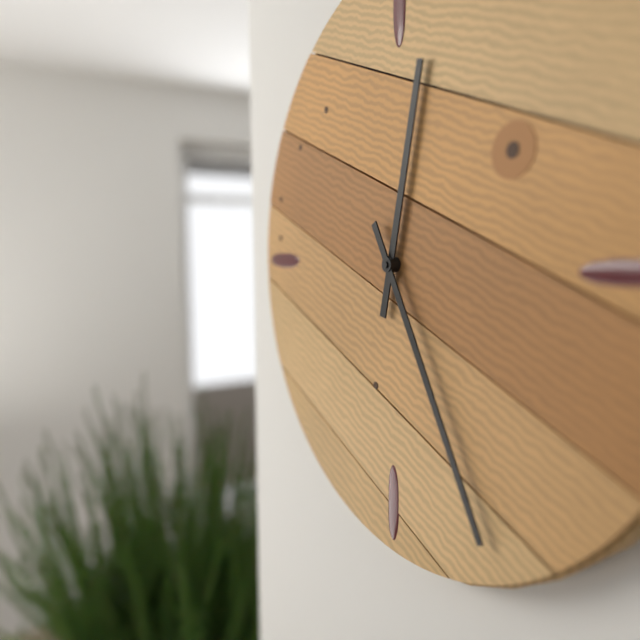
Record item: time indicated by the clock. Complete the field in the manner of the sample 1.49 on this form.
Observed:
12.25
